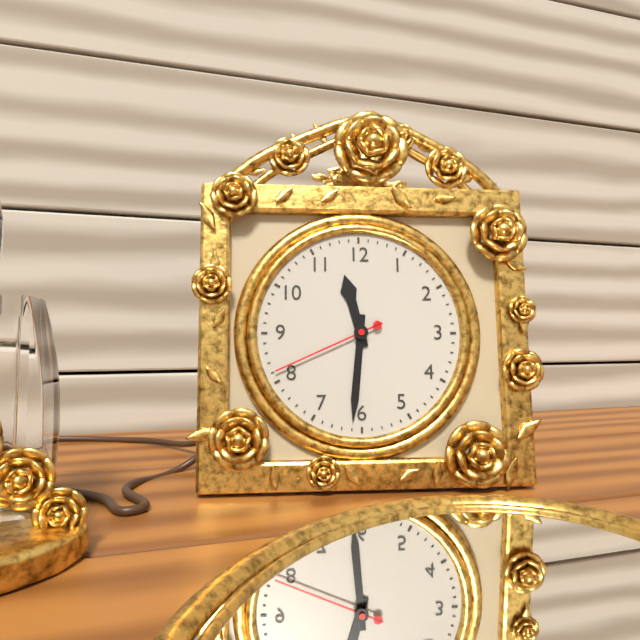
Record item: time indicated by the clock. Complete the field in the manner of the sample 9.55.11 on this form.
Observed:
11.31.41
